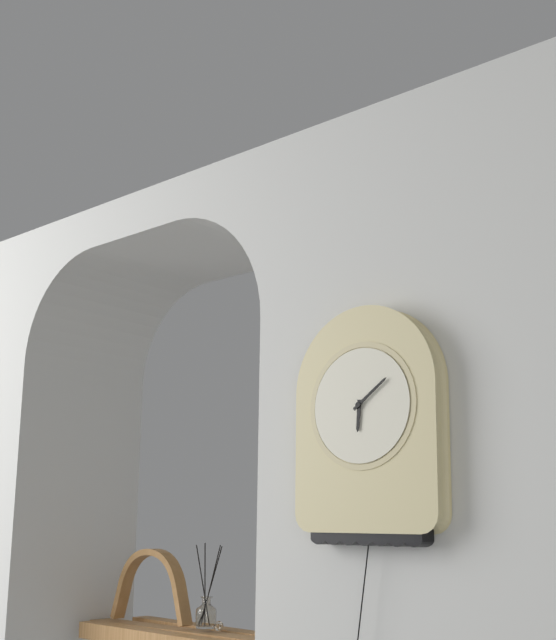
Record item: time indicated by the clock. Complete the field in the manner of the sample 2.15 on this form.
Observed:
6.09
